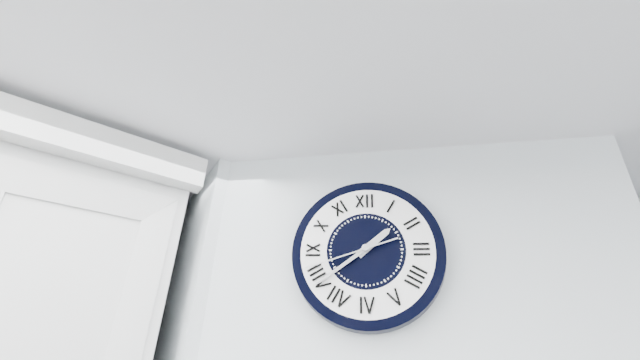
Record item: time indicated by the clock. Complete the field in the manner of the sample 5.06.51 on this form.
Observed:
1.39.42
